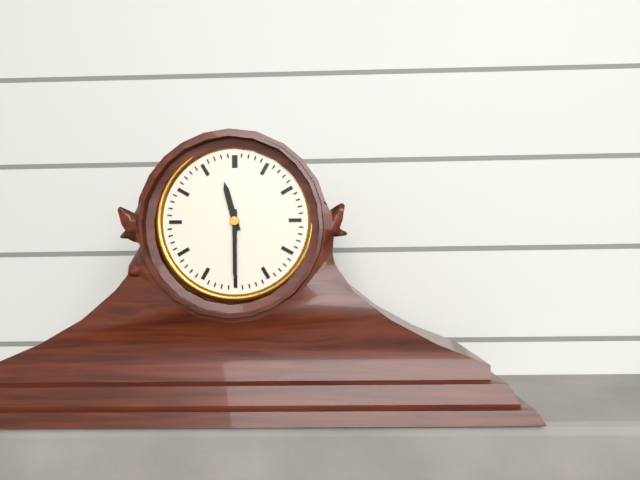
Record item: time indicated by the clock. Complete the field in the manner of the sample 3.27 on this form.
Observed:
11.30
